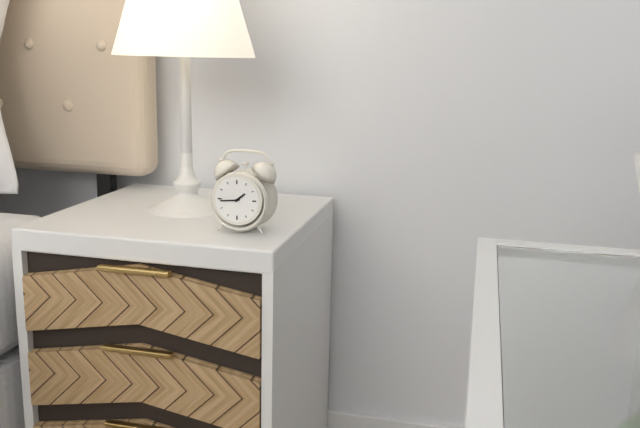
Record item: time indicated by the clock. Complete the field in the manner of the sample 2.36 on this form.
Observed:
1.44
